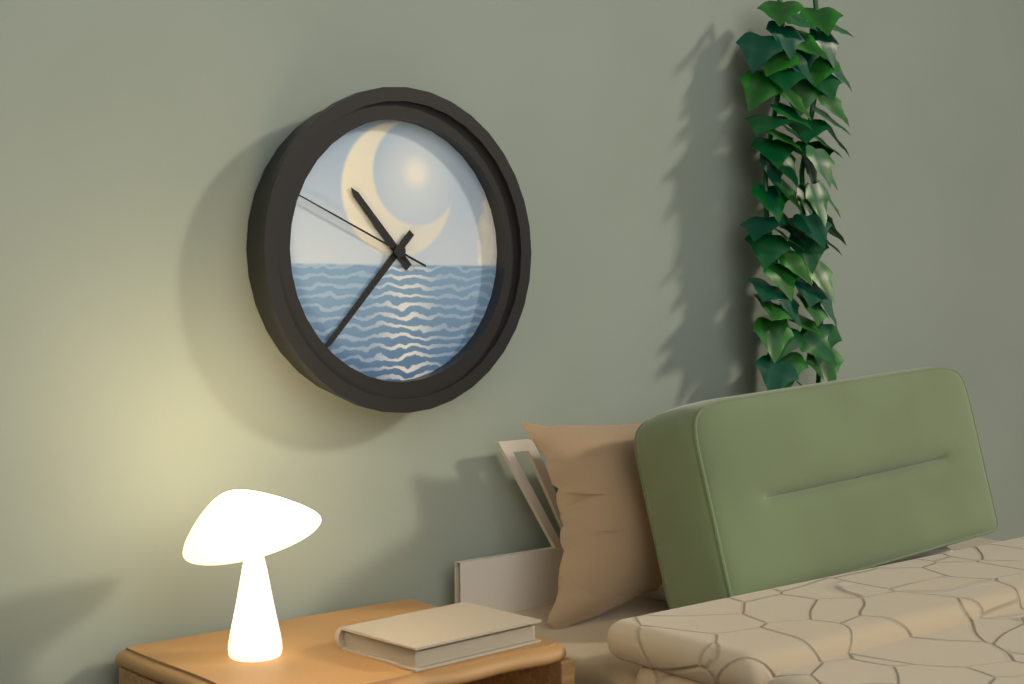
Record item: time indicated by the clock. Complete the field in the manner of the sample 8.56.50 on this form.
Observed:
10.37.49
